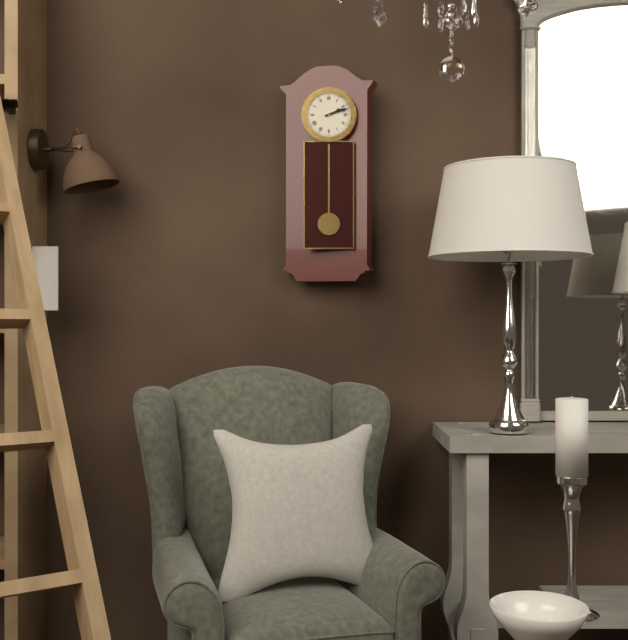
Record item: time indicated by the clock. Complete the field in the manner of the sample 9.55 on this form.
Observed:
2.12
